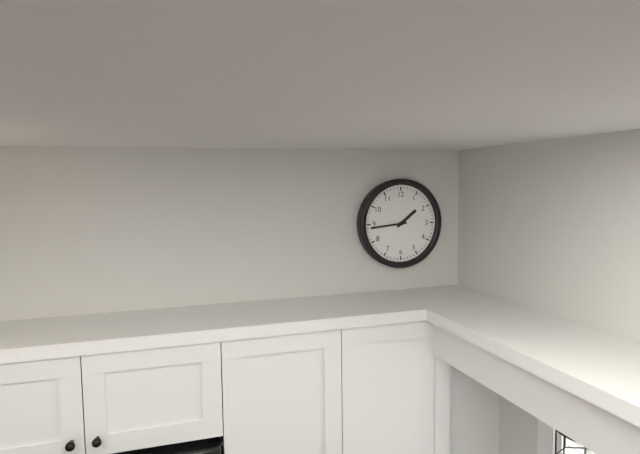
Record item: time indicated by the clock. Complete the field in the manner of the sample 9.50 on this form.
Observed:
1.44
